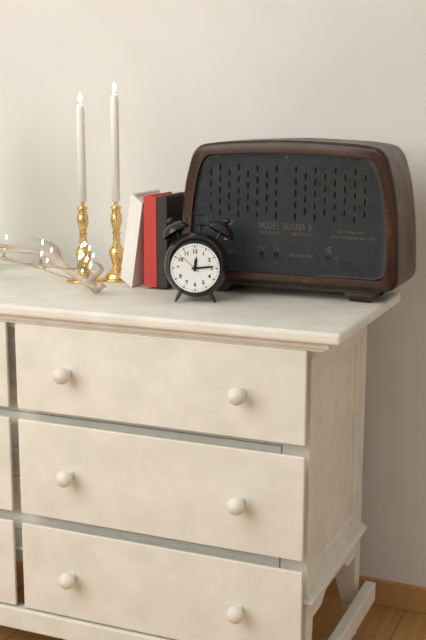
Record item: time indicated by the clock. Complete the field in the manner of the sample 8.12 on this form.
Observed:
12.14
